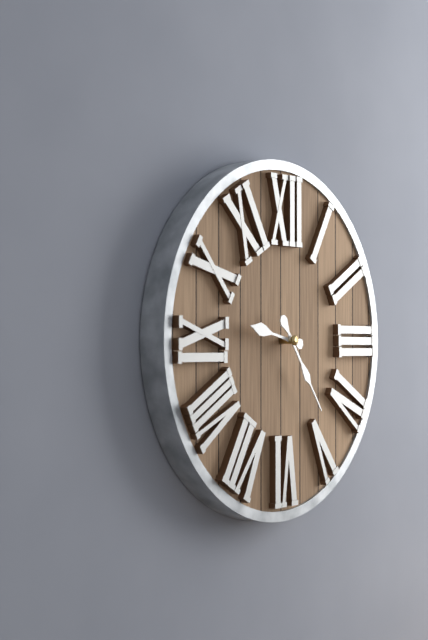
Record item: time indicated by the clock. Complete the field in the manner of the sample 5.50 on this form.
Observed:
9.24
